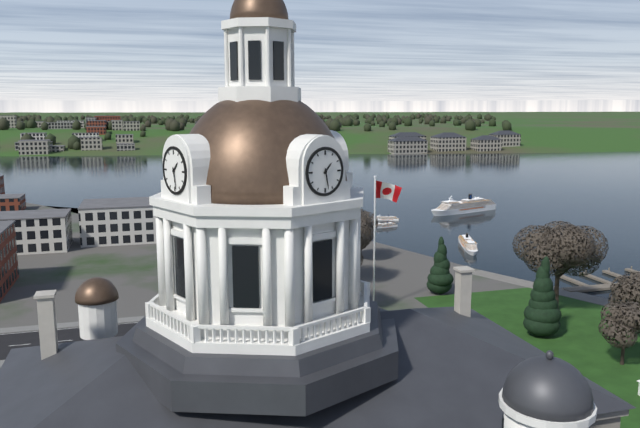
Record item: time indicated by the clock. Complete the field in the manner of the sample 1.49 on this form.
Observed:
1.28
